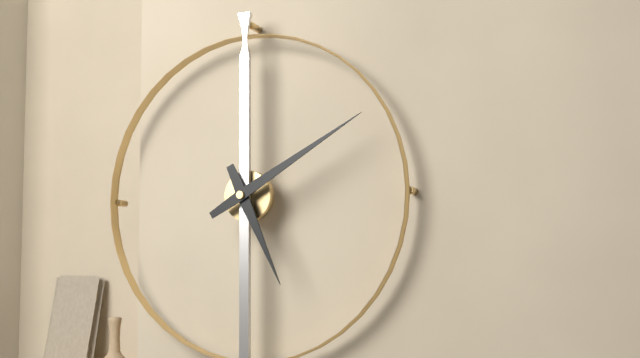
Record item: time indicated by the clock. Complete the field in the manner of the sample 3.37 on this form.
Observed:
5.10
